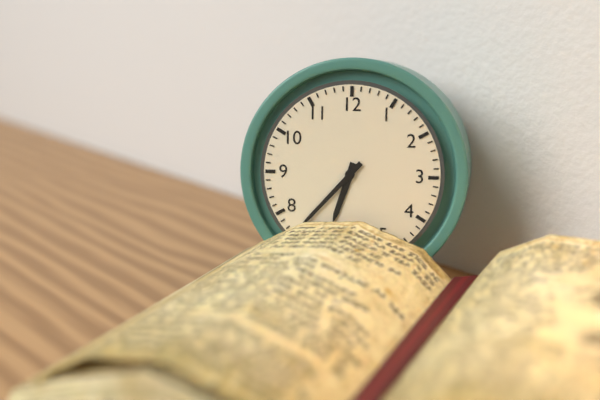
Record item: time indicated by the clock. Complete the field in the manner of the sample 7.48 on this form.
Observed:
6.37
